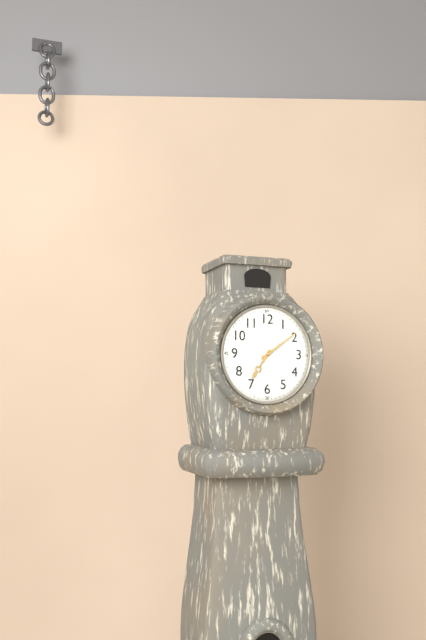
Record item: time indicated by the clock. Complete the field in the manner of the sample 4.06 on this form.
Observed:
7.09
